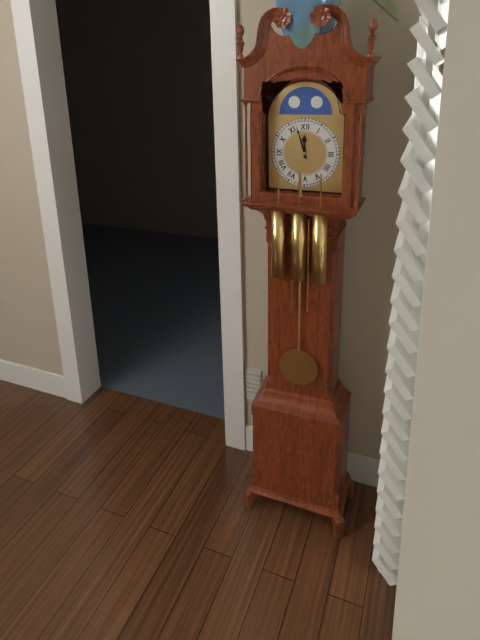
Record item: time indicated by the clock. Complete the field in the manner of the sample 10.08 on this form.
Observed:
11.57
